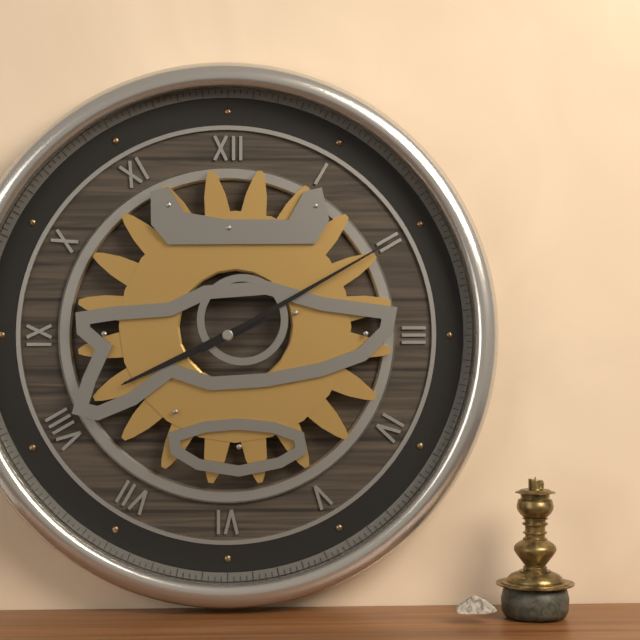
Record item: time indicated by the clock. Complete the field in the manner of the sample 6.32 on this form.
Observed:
8.10
